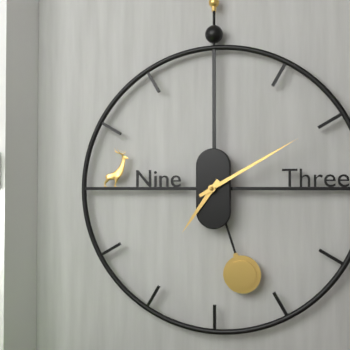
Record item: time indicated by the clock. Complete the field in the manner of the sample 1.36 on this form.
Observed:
7.10
